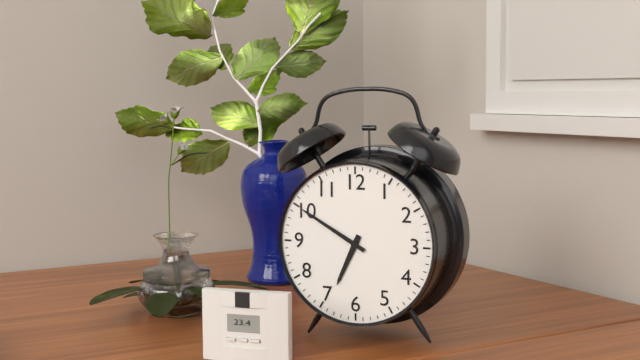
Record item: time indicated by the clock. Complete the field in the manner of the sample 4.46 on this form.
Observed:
6.50
